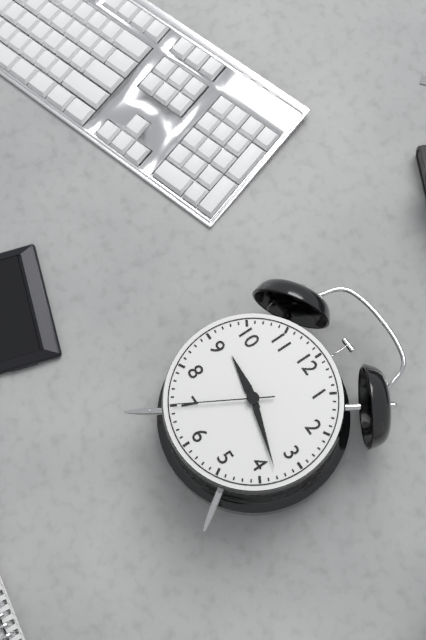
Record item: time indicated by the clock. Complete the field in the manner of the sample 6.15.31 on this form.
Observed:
9.18.35
